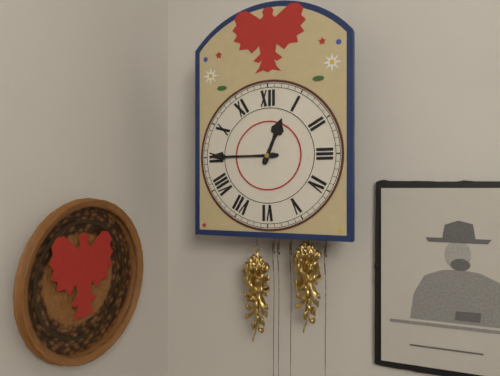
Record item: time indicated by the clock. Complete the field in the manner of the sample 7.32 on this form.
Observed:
12.45
